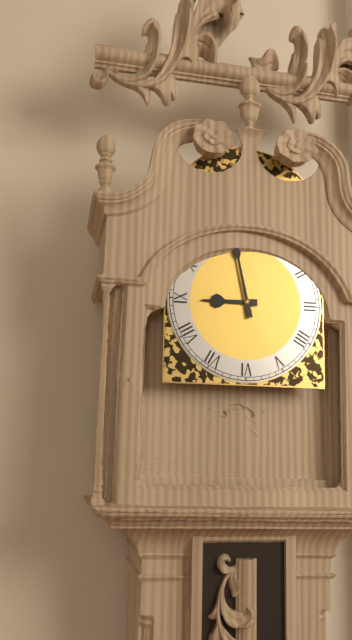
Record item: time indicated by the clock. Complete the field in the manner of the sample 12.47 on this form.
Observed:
8.58
